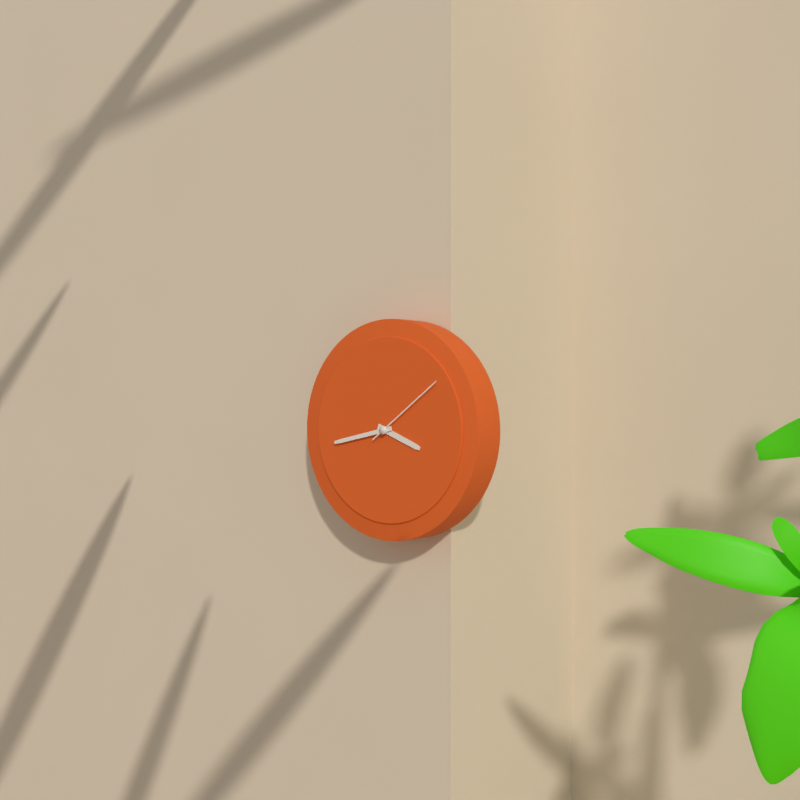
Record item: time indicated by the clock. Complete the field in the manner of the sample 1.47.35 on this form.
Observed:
3.43.09
